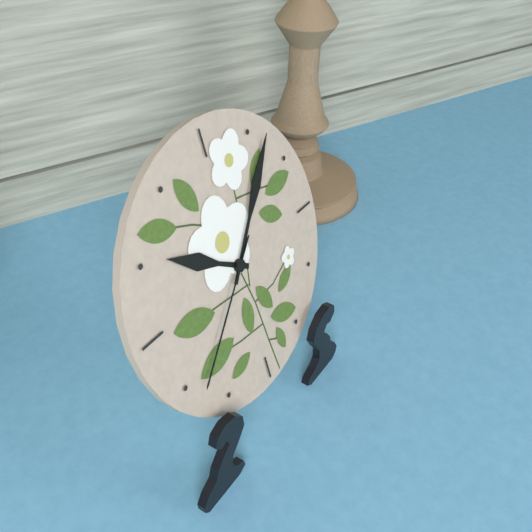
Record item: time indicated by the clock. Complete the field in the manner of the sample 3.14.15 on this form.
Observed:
10.07.38
